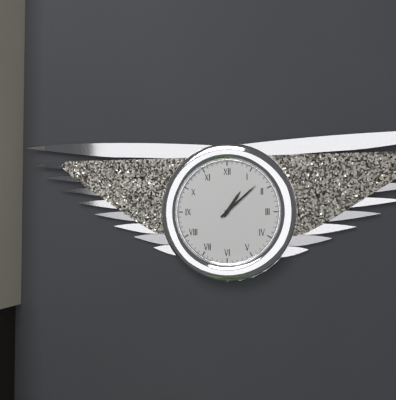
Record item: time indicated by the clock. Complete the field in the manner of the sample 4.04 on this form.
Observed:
1.08
